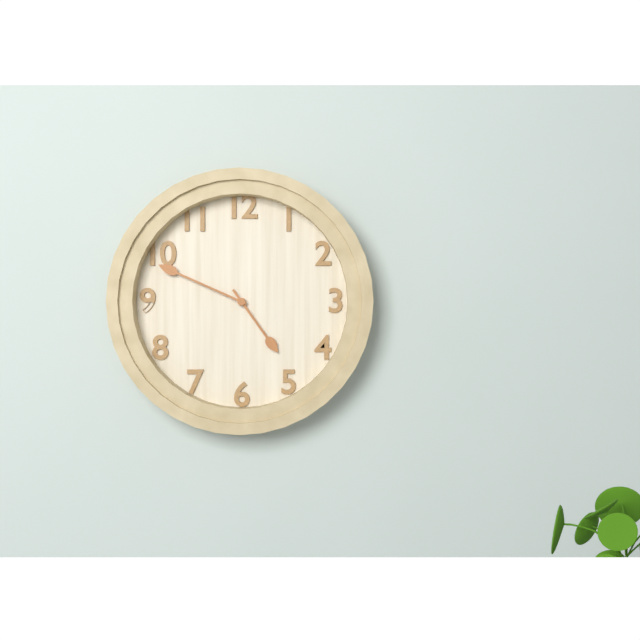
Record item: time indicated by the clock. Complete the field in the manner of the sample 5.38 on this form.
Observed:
4.49
